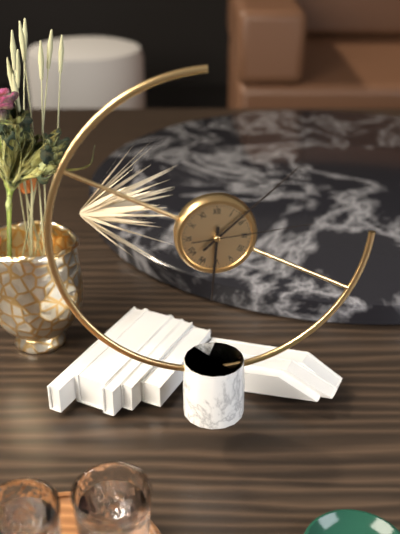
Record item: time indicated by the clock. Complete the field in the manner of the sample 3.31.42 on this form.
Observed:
6.08.14
